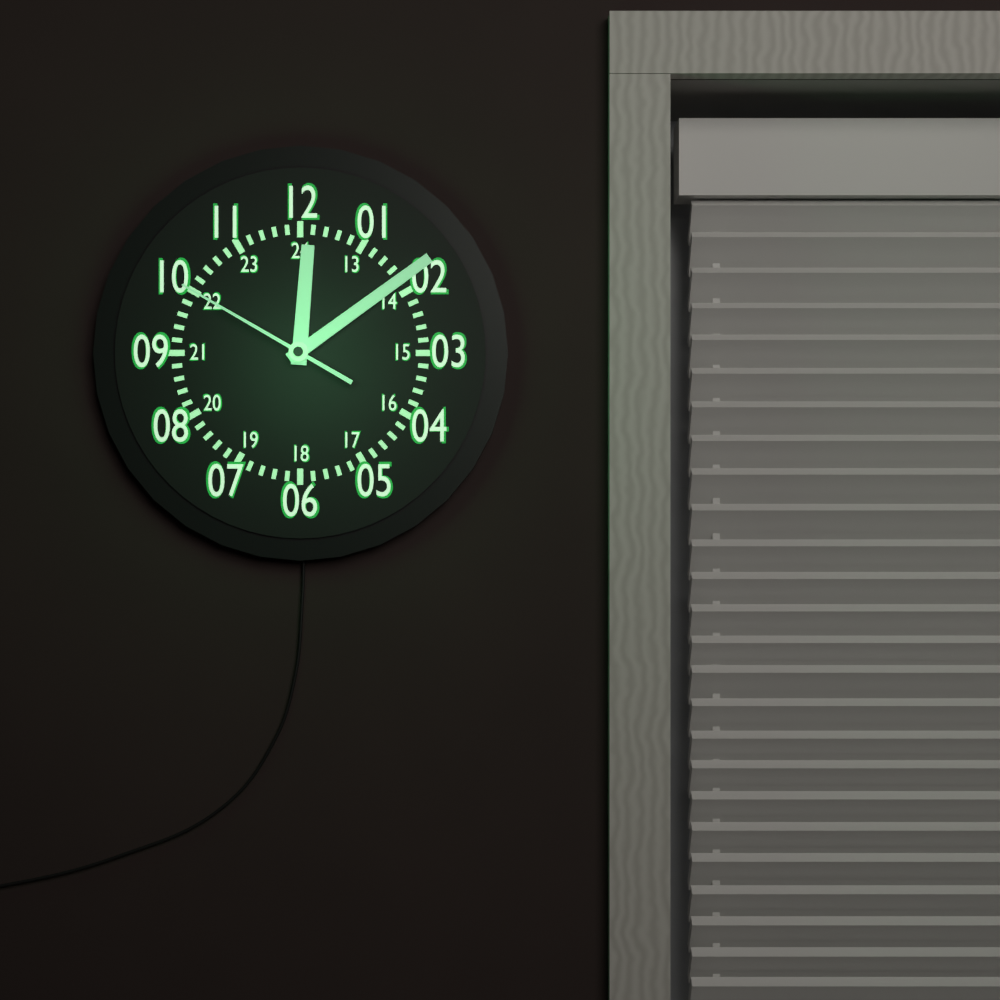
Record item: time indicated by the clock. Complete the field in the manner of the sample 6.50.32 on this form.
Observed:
12.09.50
